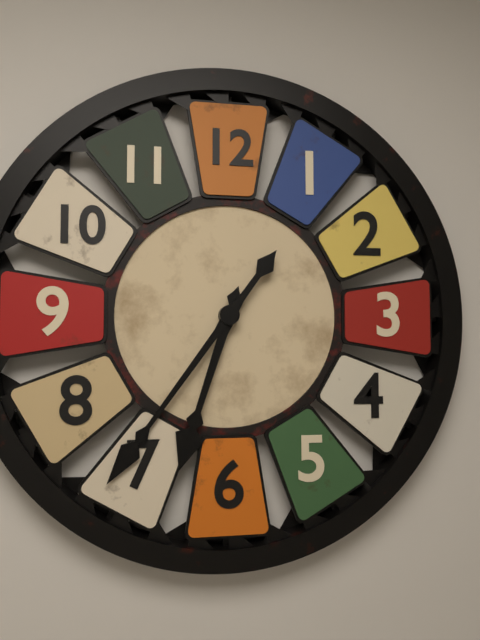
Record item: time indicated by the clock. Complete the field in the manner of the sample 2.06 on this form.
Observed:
6.36
